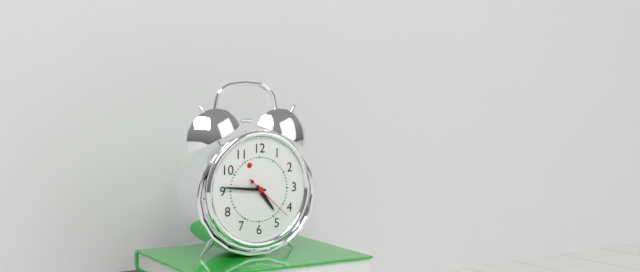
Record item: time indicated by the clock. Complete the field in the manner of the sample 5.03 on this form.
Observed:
4.46
